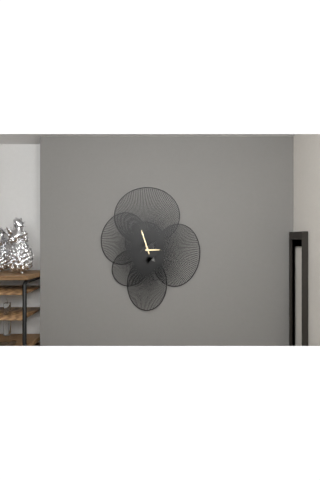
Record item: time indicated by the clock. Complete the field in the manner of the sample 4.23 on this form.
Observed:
2.57
